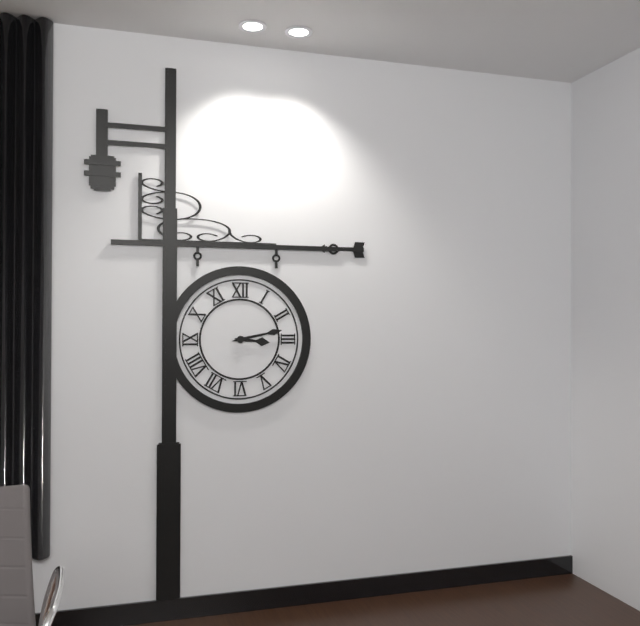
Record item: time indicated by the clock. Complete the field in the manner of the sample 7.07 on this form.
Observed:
3.13
